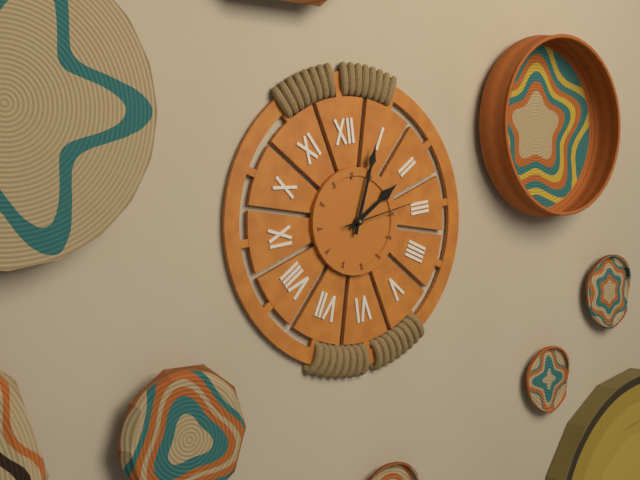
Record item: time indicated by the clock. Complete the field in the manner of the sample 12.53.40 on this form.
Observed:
2.04.14
